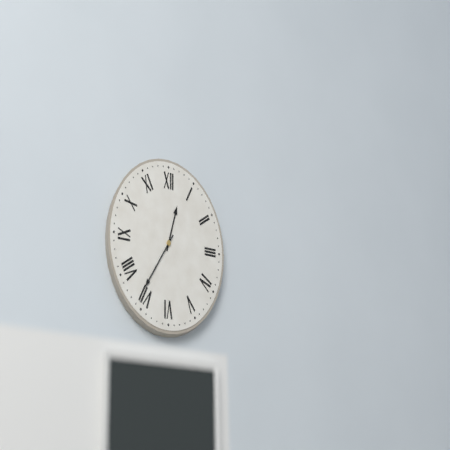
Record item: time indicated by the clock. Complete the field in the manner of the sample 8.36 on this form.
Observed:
12.36
